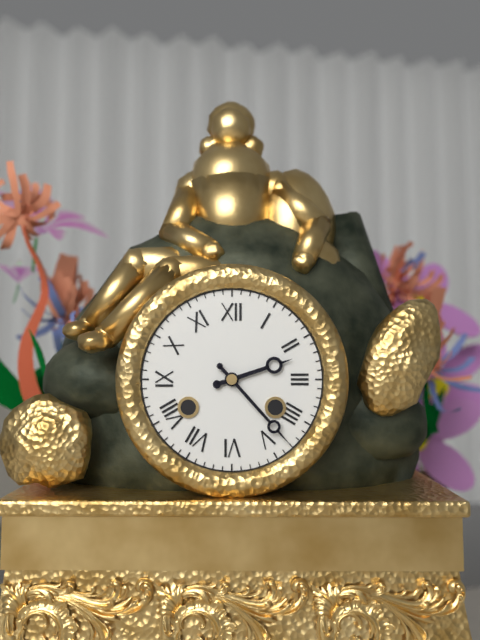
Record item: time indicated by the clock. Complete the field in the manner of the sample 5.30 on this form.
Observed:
2.23
